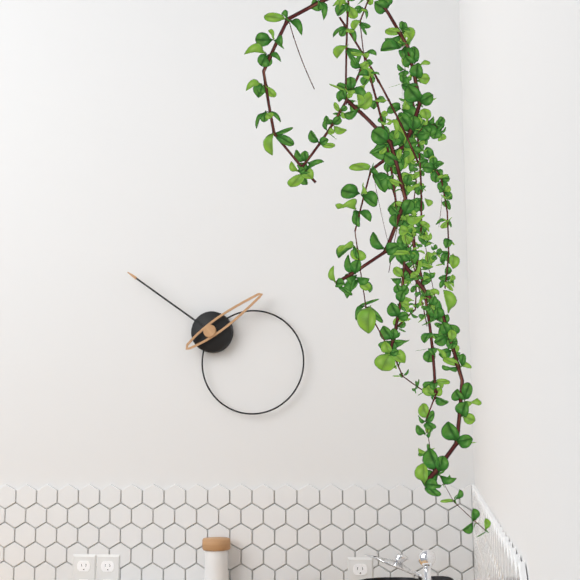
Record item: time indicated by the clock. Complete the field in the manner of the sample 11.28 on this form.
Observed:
1.51
